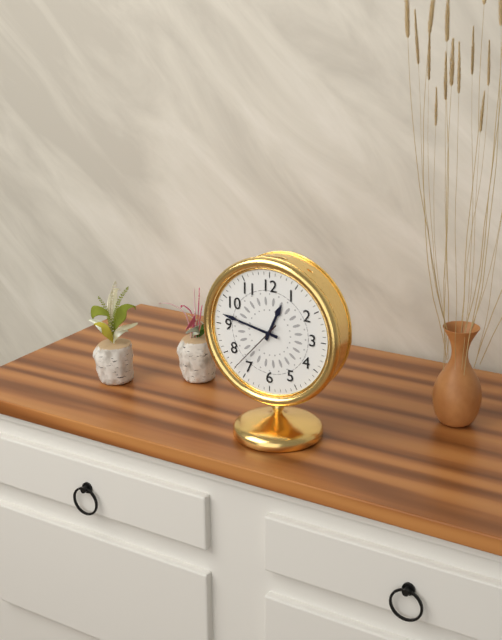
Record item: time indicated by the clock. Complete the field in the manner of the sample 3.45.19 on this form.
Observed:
12.47.37
